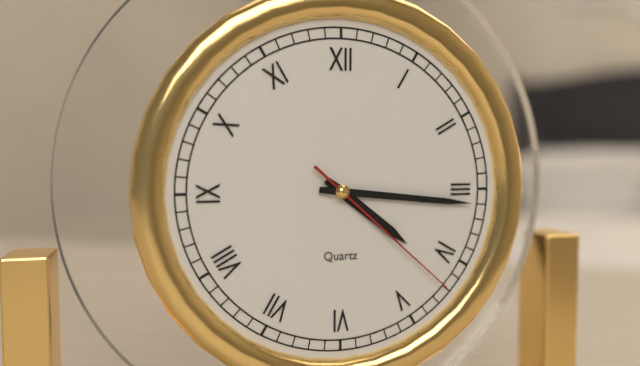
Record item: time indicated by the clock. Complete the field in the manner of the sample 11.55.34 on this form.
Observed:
4.16.22
